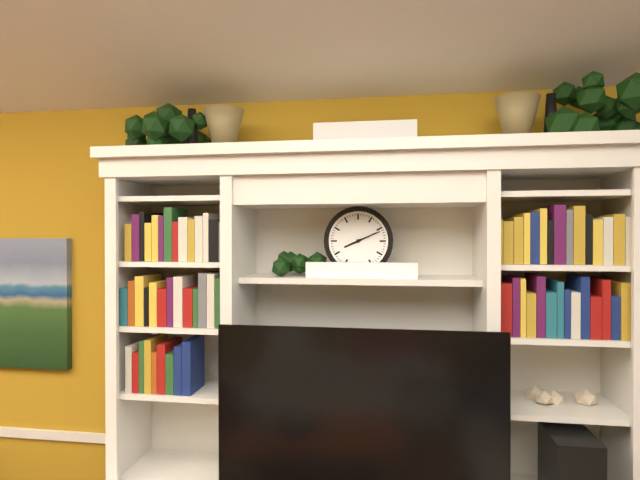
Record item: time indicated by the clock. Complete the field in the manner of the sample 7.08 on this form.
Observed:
8.11
